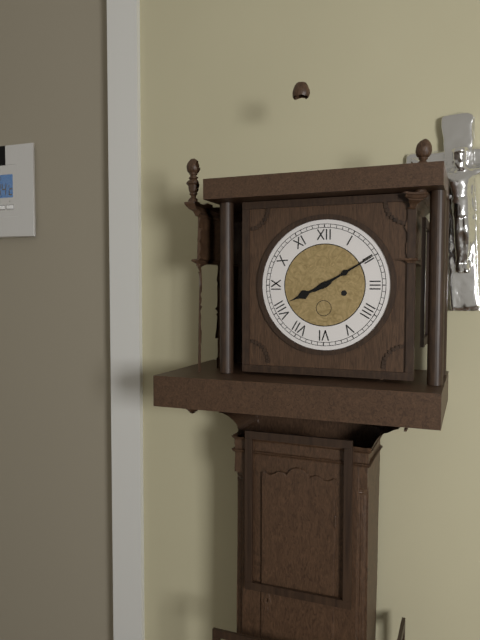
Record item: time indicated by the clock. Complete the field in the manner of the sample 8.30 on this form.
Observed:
8.10
